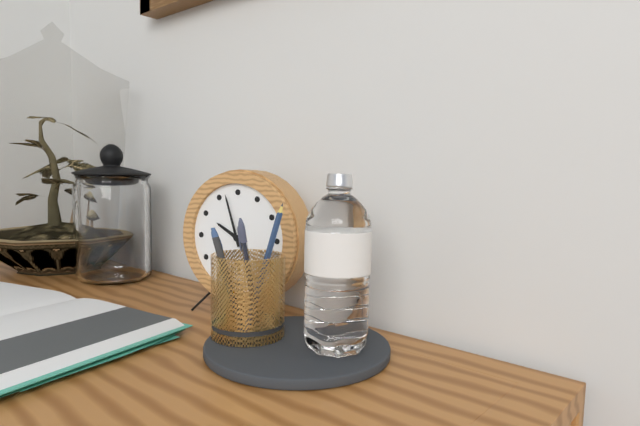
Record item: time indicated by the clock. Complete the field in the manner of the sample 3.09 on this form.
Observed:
9.57
